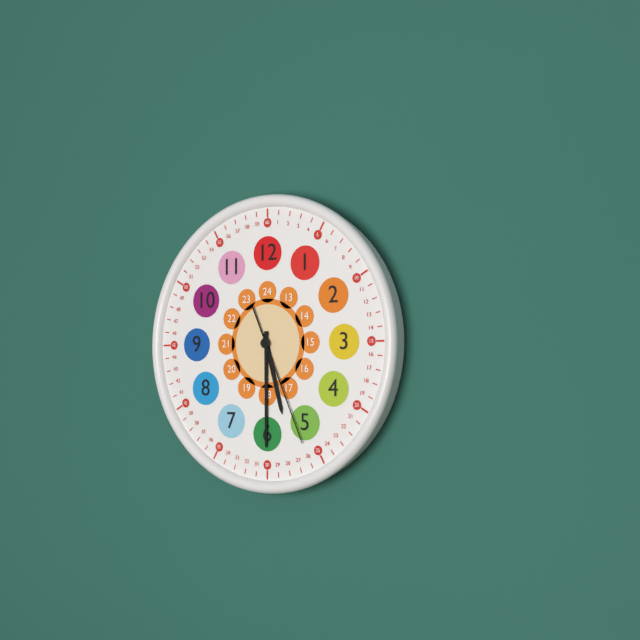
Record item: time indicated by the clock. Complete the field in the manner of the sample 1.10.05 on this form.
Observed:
5.30.26
